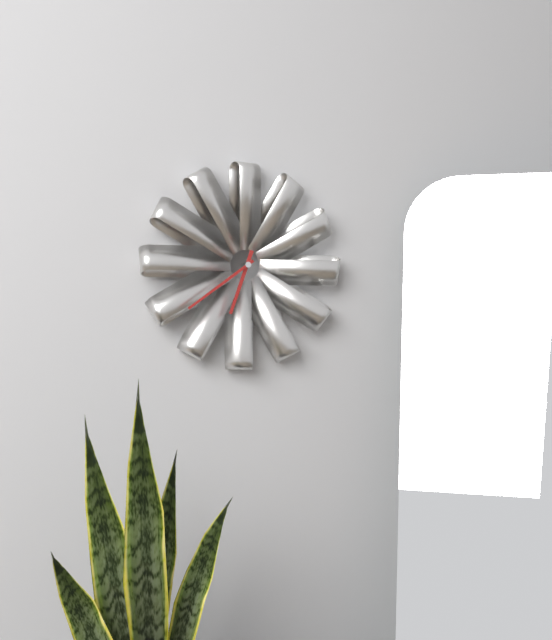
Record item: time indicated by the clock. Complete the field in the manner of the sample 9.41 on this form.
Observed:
6.39
